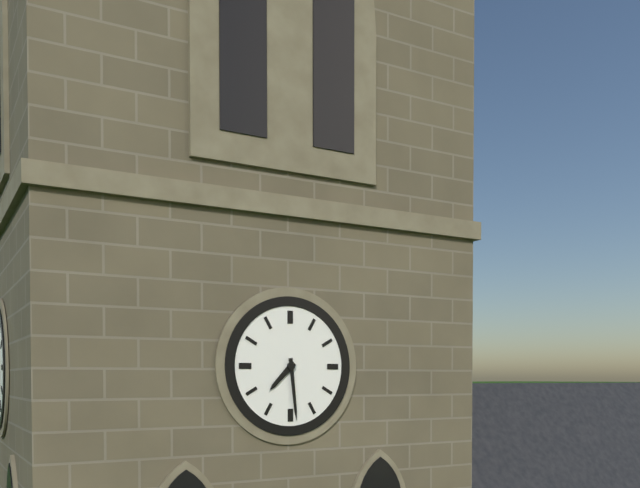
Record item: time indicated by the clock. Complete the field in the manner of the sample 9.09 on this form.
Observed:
7.29
